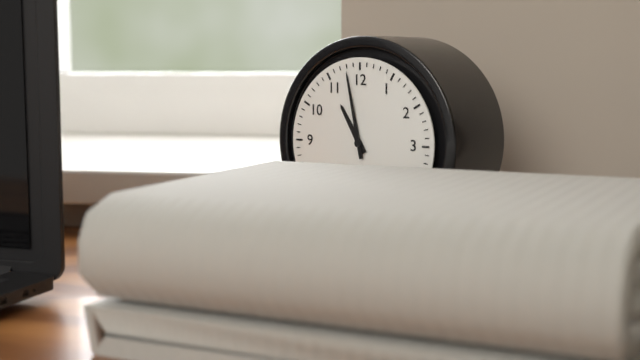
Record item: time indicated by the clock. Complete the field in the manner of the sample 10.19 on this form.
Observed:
10.58
